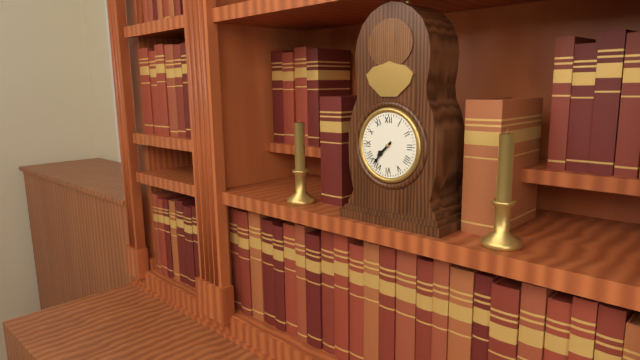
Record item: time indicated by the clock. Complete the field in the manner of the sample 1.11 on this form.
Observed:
7.37
